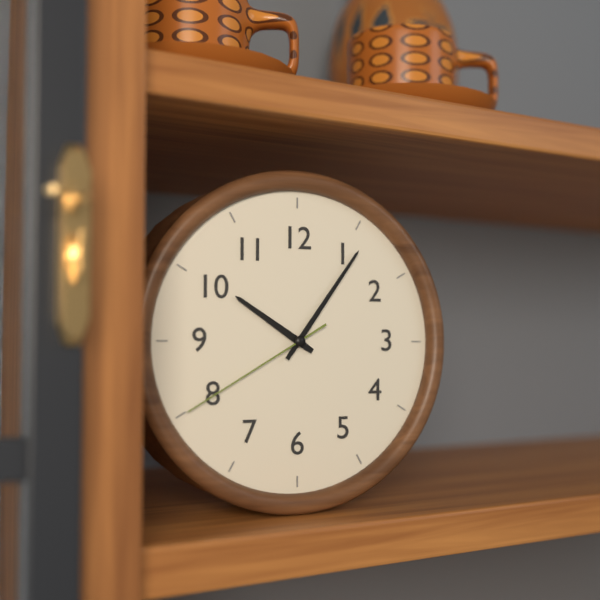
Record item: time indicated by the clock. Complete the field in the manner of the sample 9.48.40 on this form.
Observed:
10.06.40
